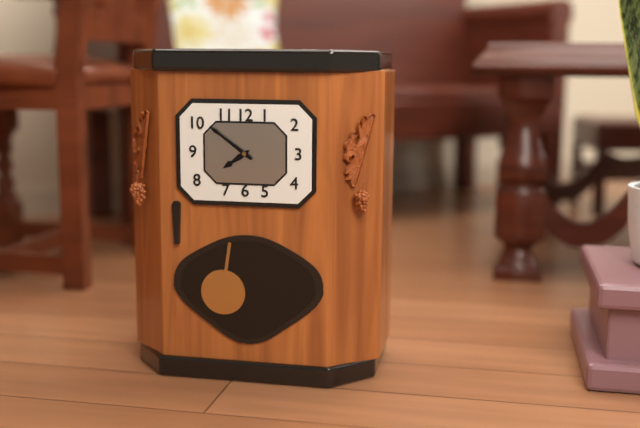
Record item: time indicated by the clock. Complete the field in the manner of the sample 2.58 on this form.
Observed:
7.51
